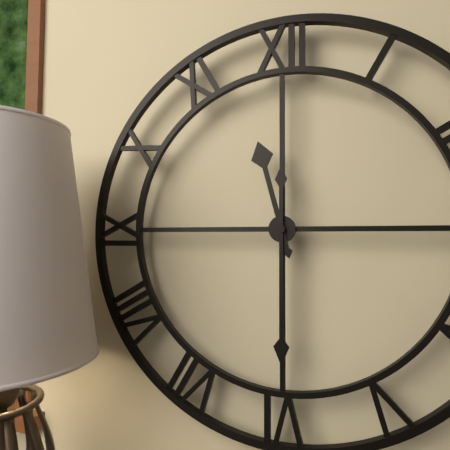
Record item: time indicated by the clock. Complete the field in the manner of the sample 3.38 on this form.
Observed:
11.30
